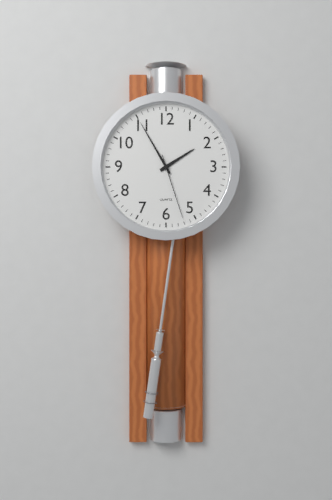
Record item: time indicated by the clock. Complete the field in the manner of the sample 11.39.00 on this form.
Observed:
1.55.27
